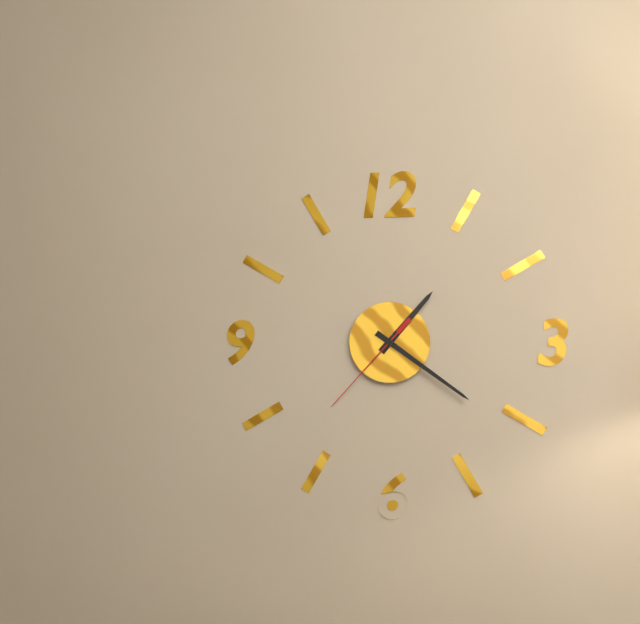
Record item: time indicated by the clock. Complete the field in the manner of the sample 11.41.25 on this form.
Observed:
1.21.37
